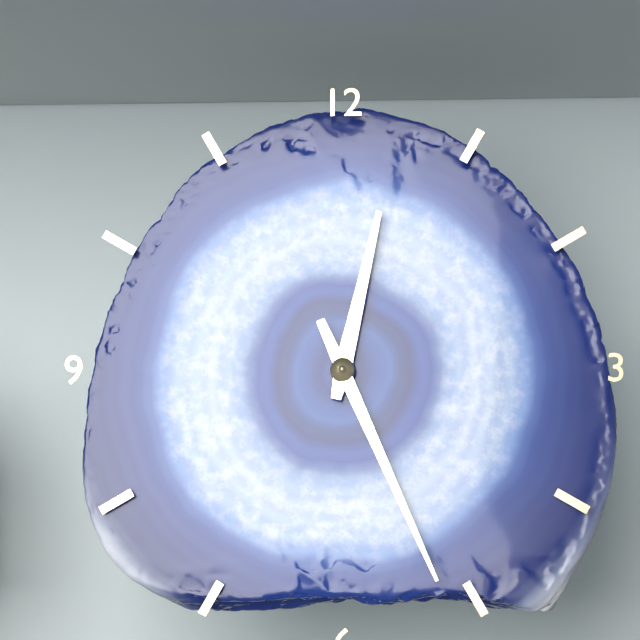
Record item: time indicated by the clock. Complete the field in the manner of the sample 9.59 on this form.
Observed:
12.26
